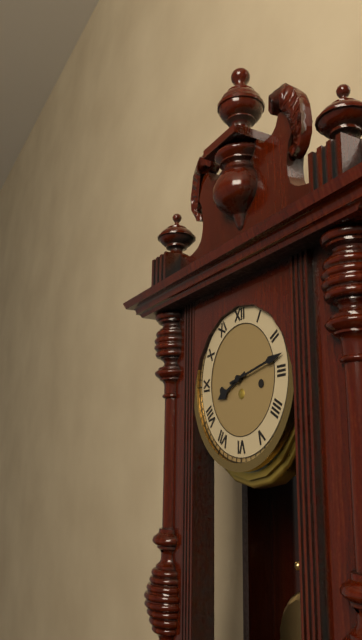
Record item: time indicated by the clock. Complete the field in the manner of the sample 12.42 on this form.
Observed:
8.13
